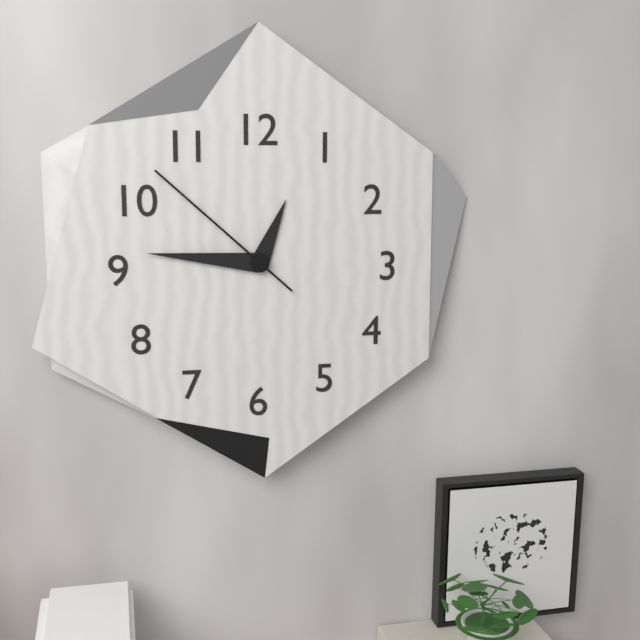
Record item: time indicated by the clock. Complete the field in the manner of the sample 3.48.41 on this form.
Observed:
12.46.52
